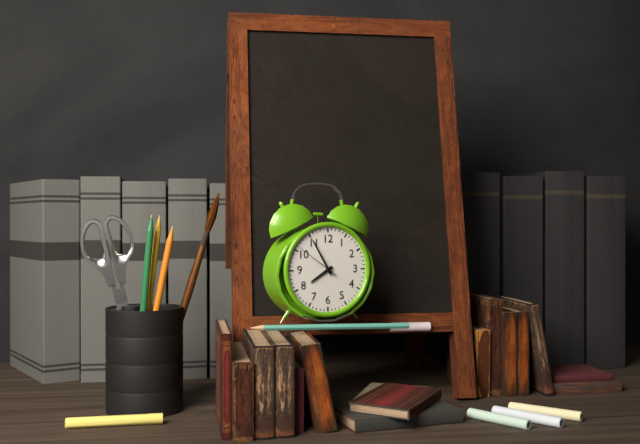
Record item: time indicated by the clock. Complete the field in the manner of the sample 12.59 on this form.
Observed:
7.55
